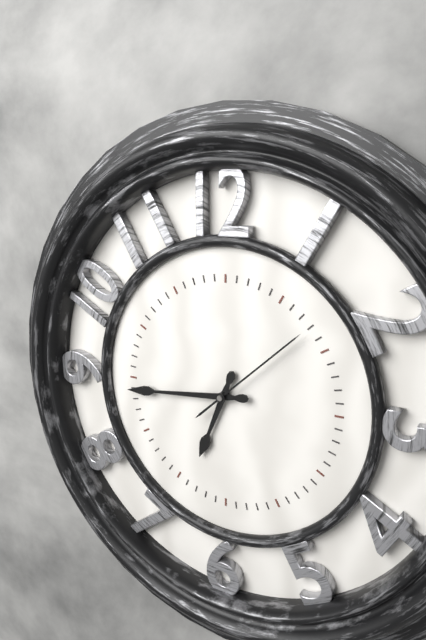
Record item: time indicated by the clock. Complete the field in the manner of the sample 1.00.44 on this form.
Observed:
6.44.08
